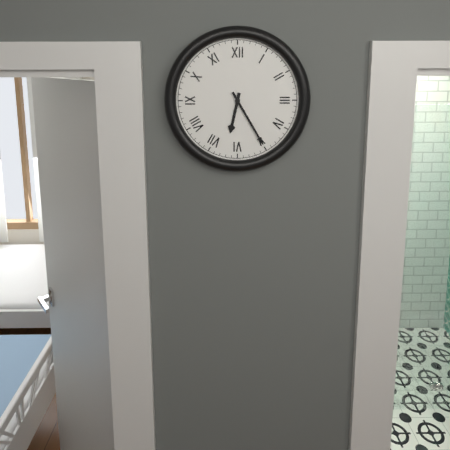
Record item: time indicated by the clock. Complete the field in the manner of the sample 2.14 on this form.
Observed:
6.25
